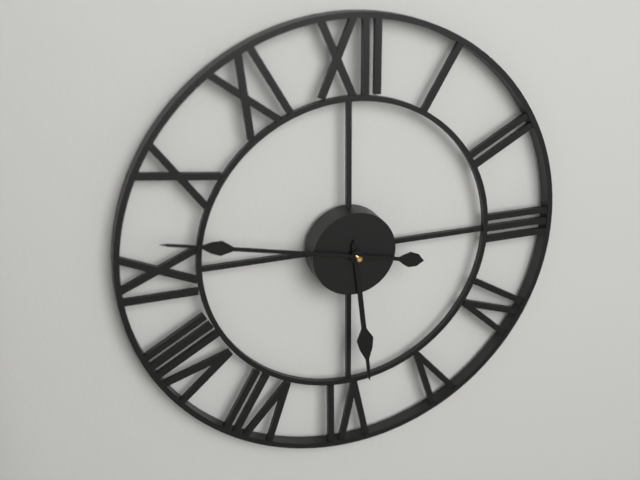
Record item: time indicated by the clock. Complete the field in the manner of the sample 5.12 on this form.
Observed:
5.47
